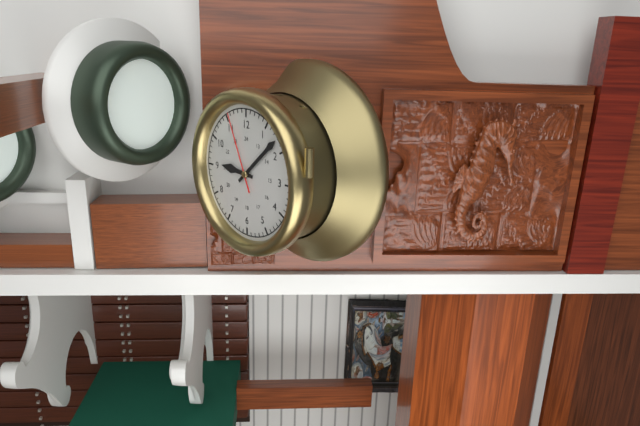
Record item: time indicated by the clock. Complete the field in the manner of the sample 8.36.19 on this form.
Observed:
9.08.56
